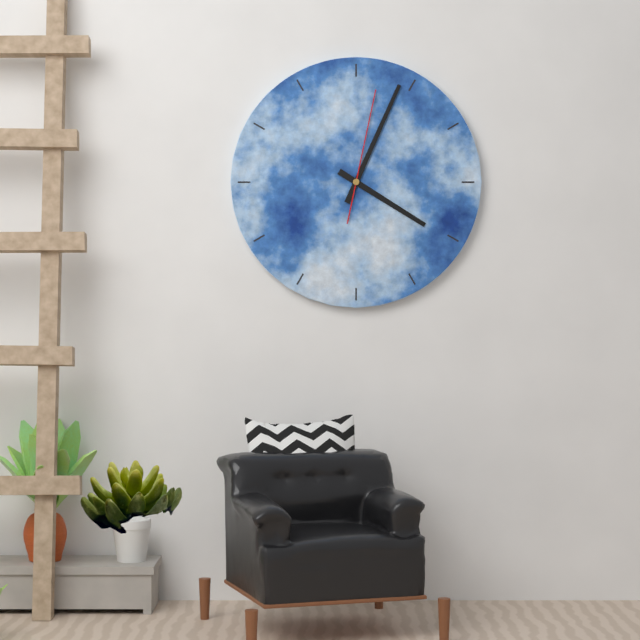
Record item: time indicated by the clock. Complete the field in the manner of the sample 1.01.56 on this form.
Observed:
4.04.02
